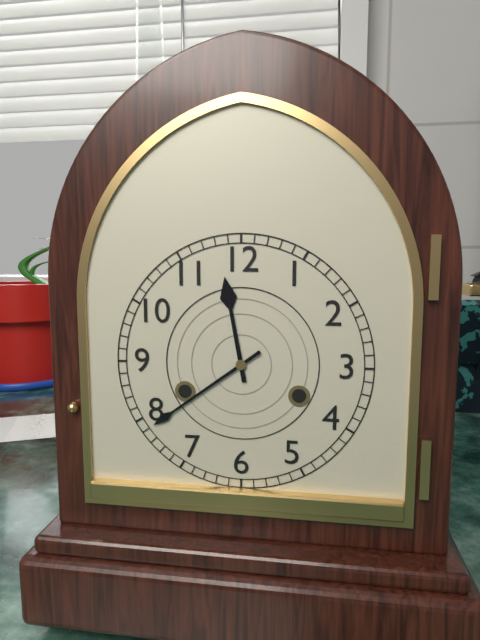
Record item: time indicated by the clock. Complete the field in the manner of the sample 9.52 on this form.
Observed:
11.39
